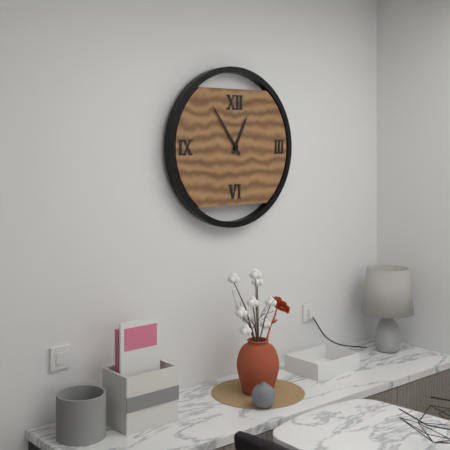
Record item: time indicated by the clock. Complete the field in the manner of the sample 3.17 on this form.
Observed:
12.54
